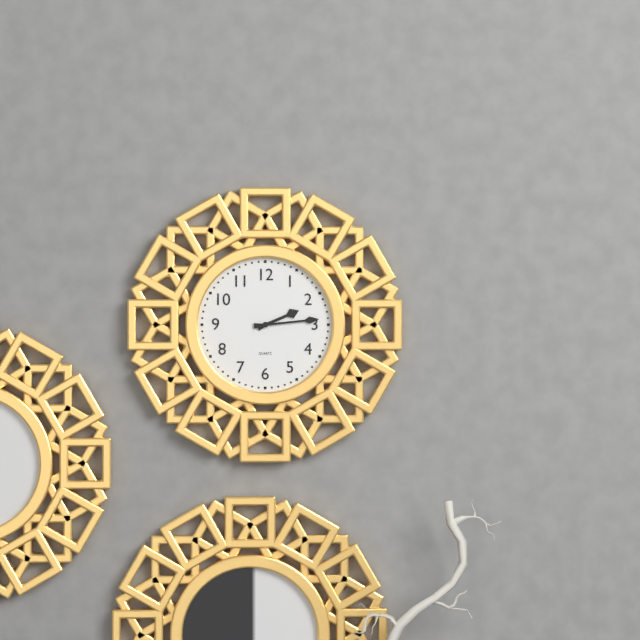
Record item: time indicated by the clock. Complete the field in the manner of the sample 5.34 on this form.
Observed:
2.14
